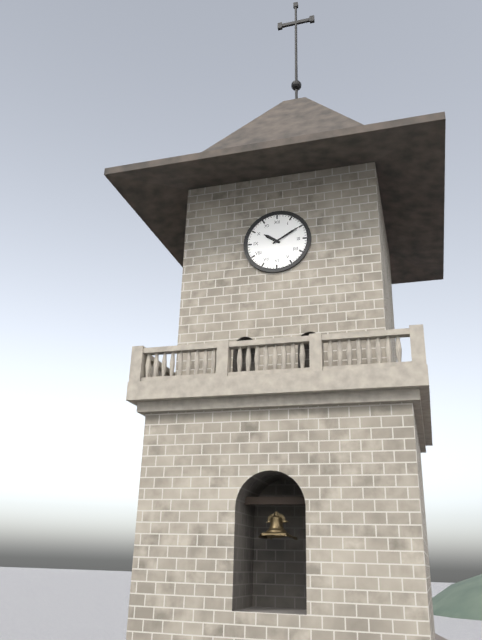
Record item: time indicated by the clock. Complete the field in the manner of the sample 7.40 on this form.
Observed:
10.10
